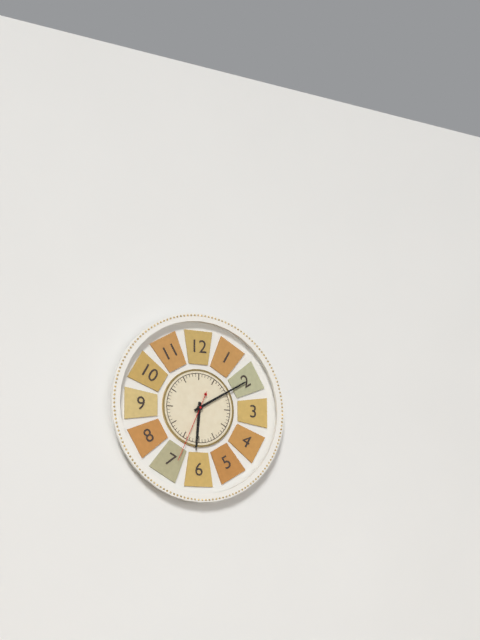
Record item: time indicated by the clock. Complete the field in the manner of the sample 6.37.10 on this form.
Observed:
6.10.34
